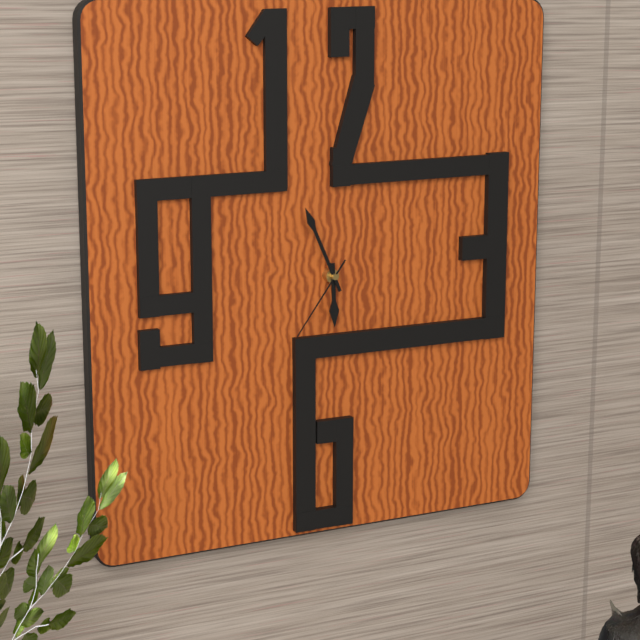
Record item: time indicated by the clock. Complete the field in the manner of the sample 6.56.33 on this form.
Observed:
5.56.36
